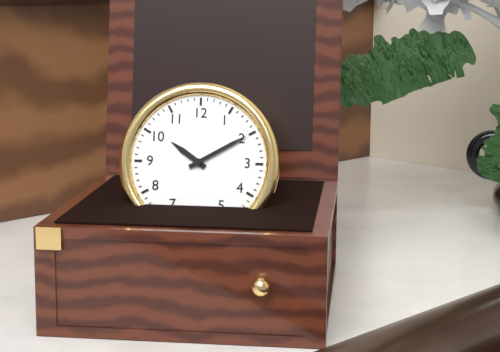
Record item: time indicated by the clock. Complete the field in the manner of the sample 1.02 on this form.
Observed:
10.10
